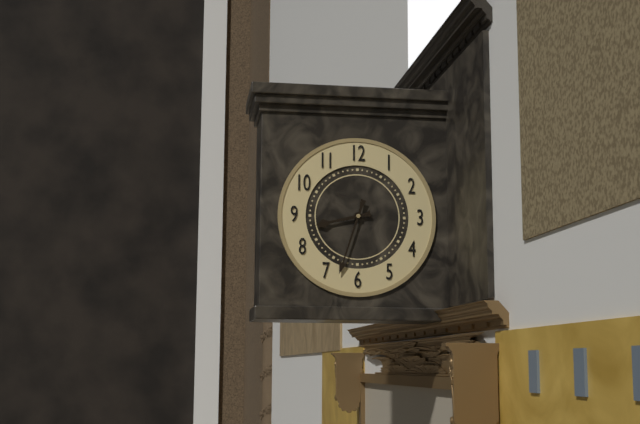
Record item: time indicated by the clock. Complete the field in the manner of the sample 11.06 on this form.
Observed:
8.33
